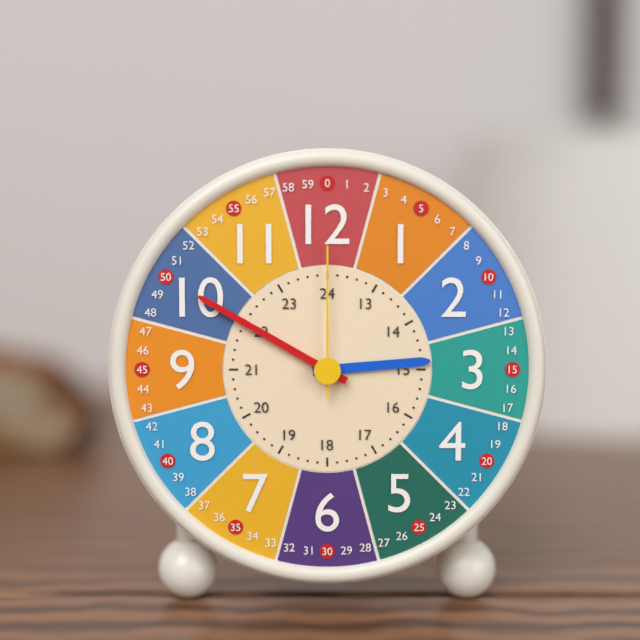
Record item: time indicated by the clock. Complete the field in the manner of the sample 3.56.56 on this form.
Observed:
2.50.00
